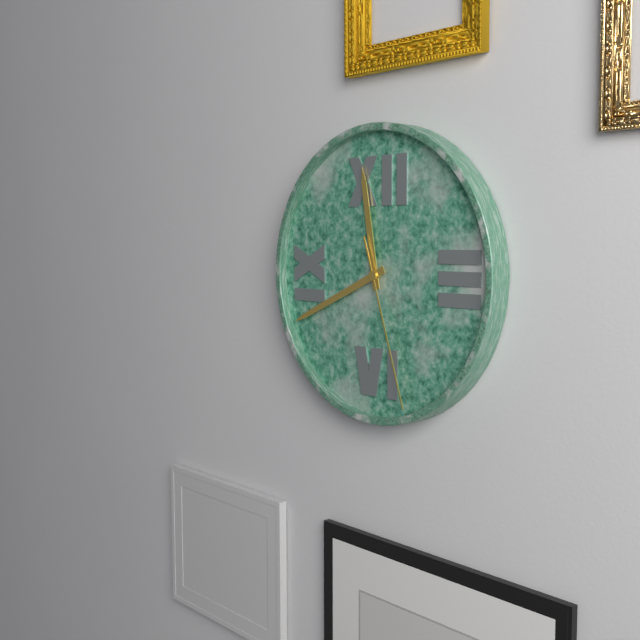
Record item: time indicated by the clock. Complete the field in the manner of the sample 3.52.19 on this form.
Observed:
11.41.27
